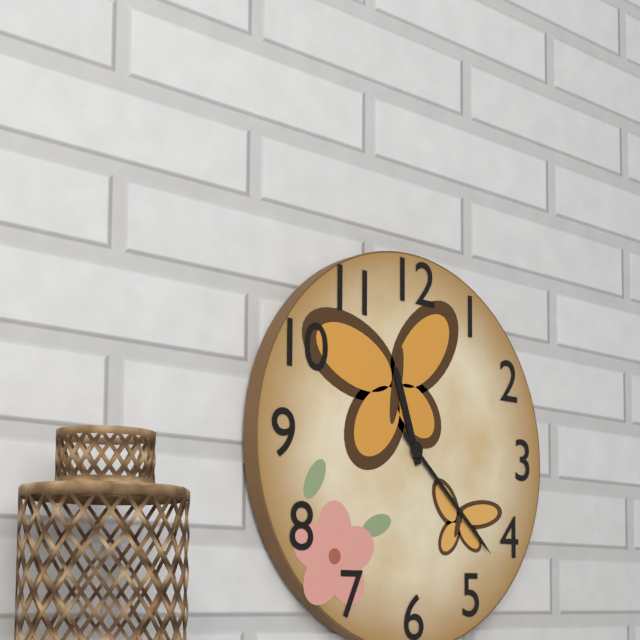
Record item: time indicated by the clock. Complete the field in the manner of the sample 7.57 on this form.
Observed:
11.22
